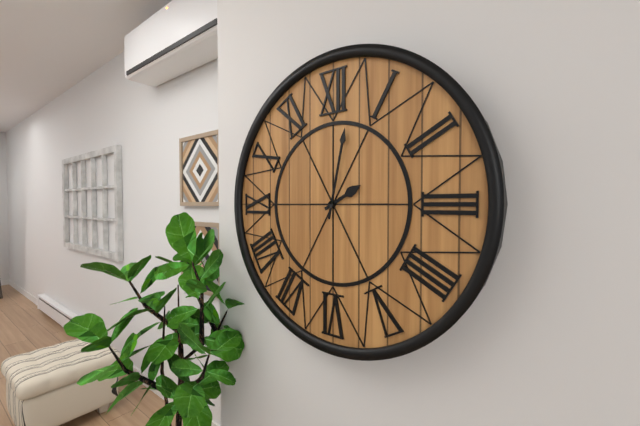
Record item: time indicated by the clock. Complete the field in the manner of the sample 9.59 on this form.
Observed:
2.02
